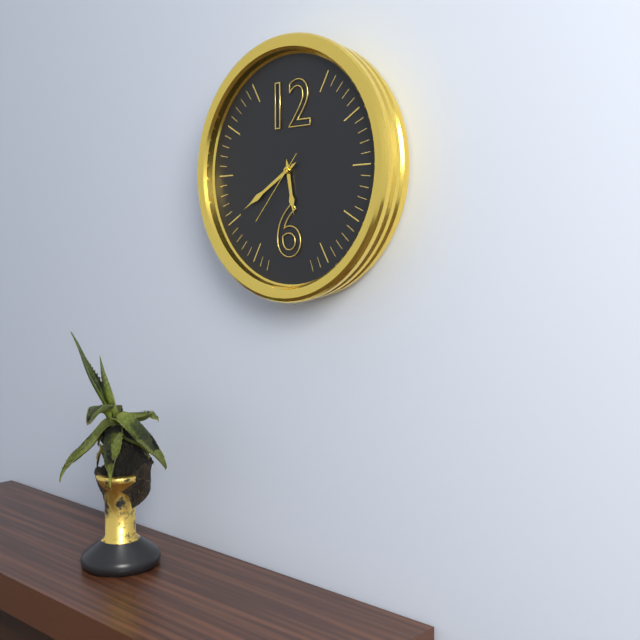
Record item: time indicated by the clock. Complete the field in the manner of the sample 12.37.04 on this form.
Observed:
5.40.37
